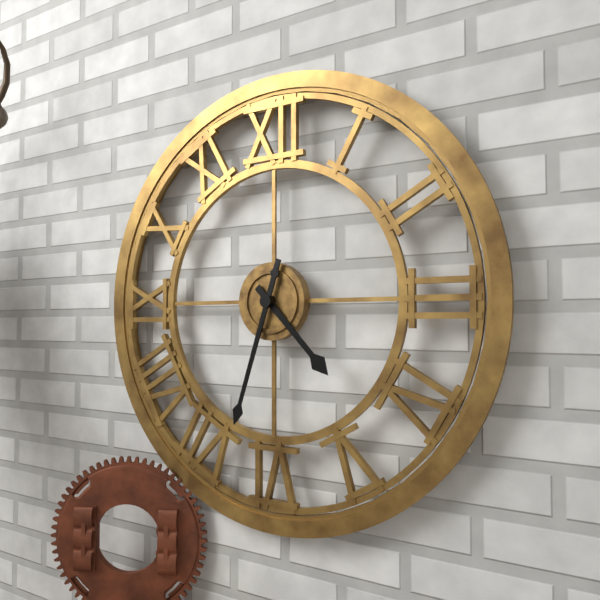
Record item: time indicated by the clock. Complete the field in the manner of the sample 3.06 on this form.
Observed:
4.33
